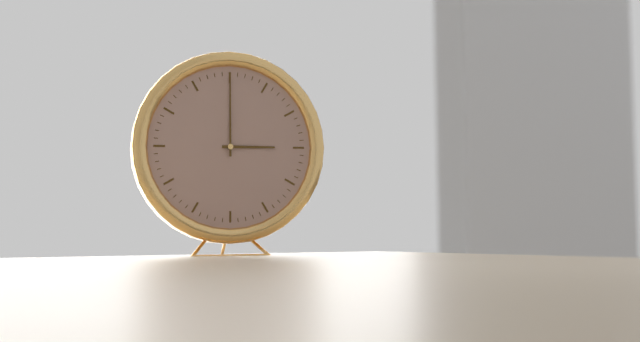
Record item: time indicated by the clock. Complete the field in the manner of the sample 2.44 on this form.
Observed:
3.00
